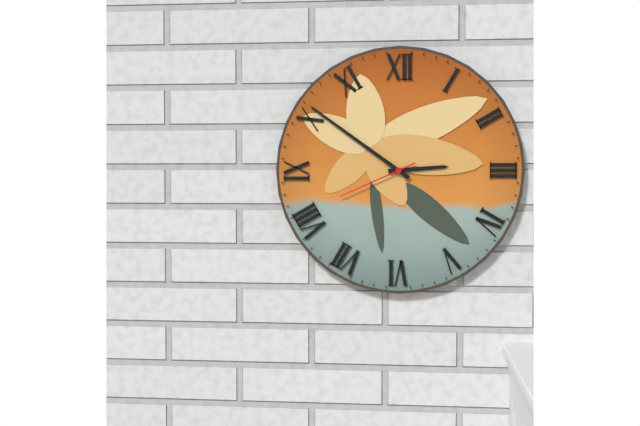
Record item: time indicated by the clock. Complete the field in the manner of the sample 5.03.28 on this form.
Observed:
2.51.41
